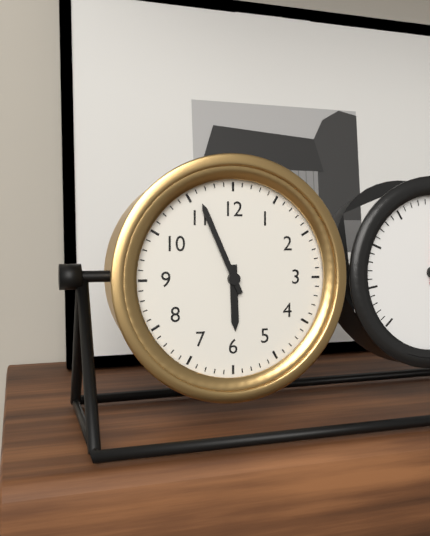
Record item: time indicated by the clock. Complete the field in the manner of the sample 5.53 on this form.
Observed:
5.56
